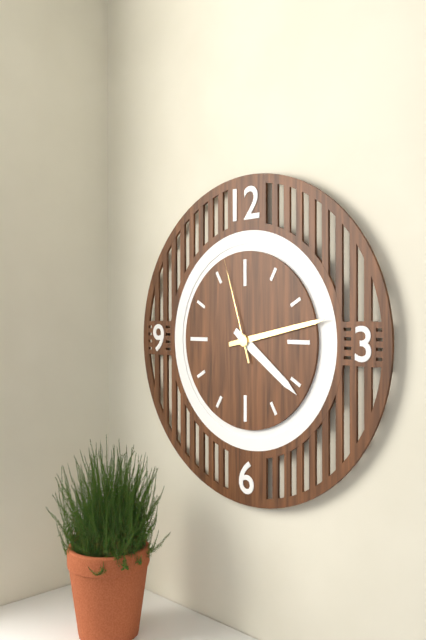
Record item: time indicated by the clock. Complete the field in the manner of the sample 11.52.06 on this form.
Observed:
4.13.57
